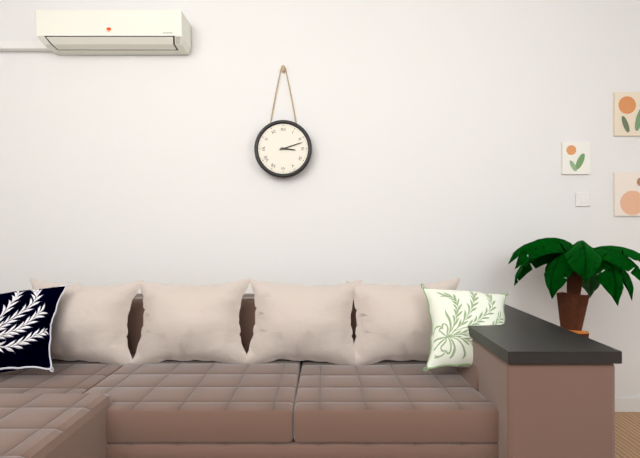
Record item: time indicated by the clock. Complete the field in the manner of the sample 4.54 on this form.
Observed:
3.12
